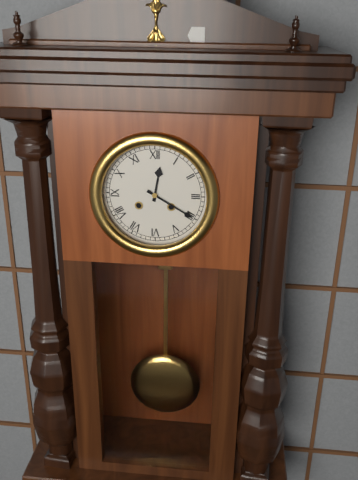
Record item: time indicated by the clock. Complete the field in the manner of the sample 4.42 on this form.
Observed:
12.20
